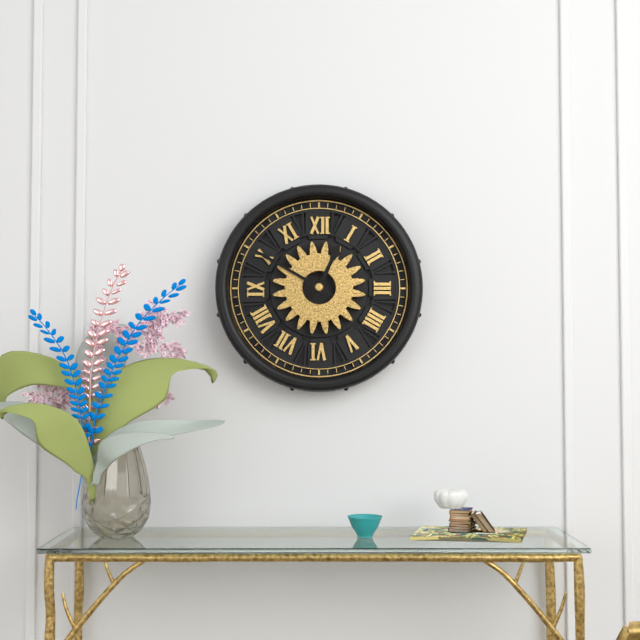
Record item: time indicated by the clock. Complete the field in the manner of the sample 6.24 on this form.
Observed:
12.50
